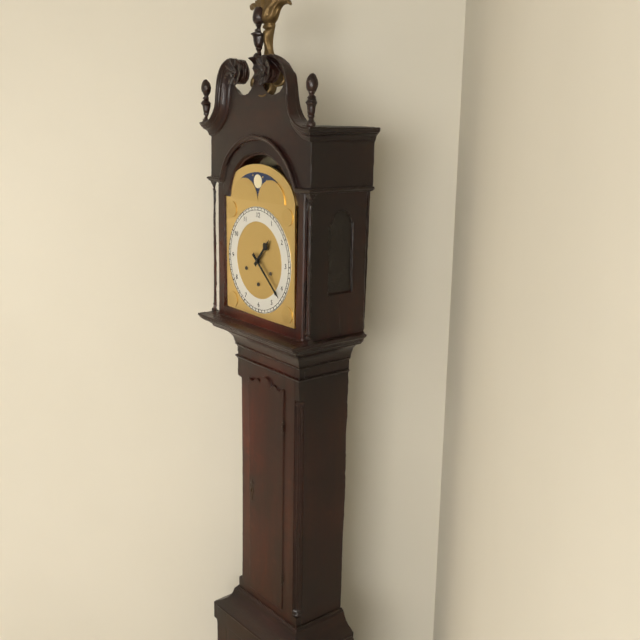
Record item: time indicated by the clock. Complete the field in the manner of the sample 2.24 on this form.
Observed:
1.22
